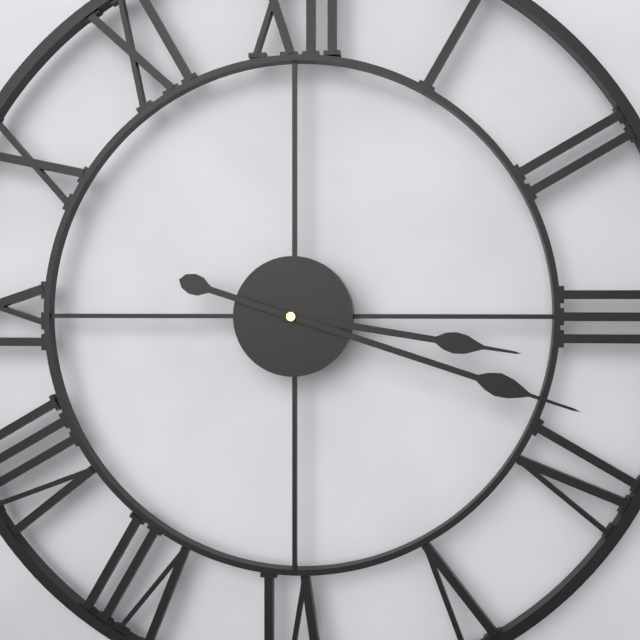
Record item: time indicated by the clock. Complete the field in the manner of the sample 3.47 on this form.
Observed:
3.18
